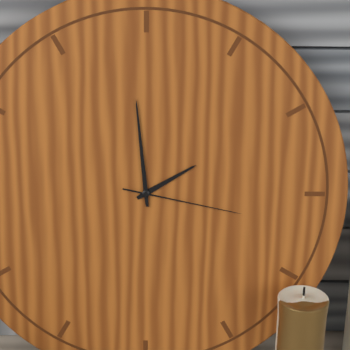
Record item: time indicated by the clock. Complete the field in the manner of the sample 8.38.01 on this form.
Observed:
1.59.17
